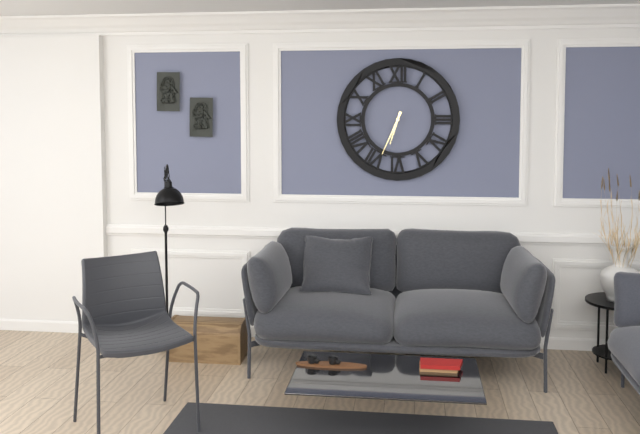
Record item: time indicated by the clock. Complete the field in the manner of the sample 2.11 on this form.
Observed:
6.34
